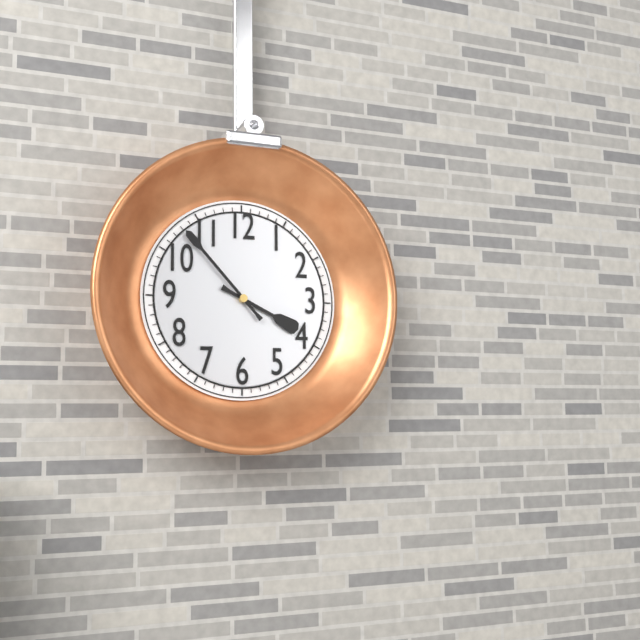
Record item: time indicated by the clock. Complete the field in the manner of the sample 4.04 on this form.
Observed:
3.53
